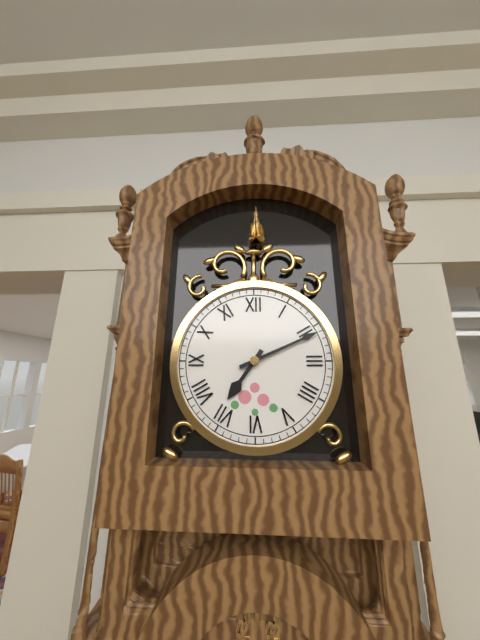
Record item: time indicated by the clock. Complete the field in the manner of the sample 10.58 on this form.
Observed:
7.11
